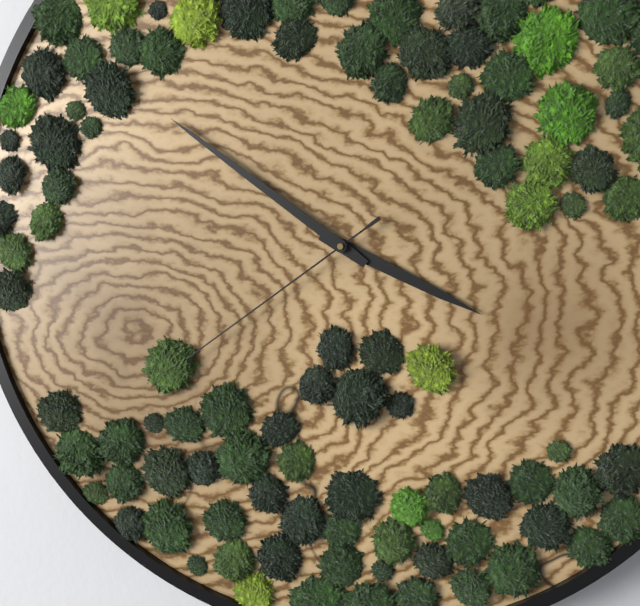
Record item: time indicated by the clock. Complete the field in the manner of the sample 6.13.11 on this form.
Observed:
3.51.39
